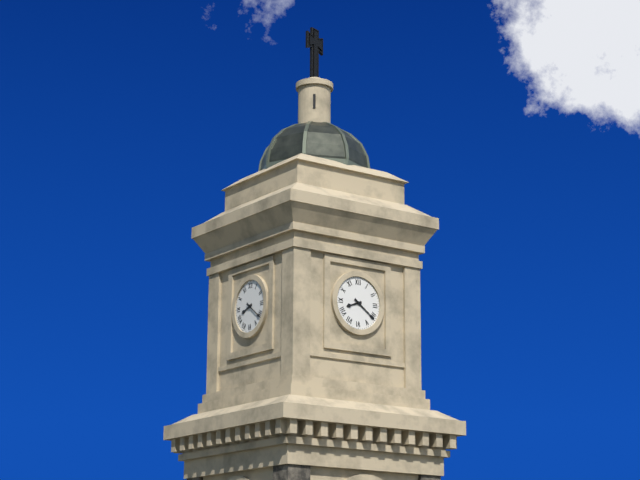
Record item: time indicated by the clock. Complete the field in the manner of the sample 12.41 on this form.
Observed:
8.21
